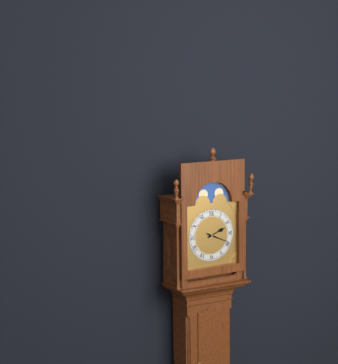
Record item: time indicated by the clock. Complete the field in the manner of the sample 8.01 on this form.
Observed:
2.19
